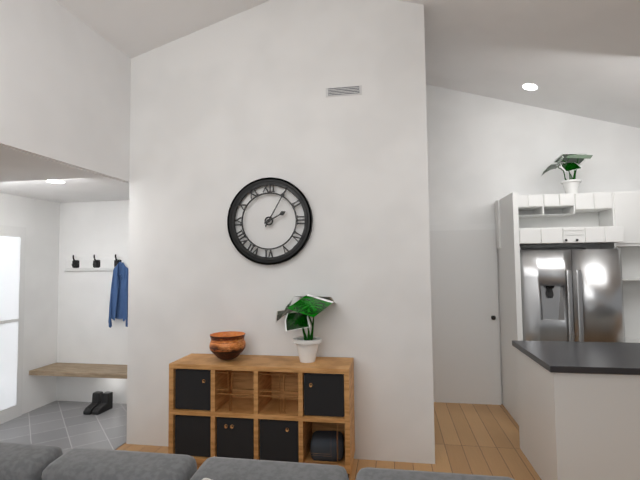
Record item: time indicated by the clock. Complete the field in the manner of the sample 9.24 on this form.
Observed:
2.05
